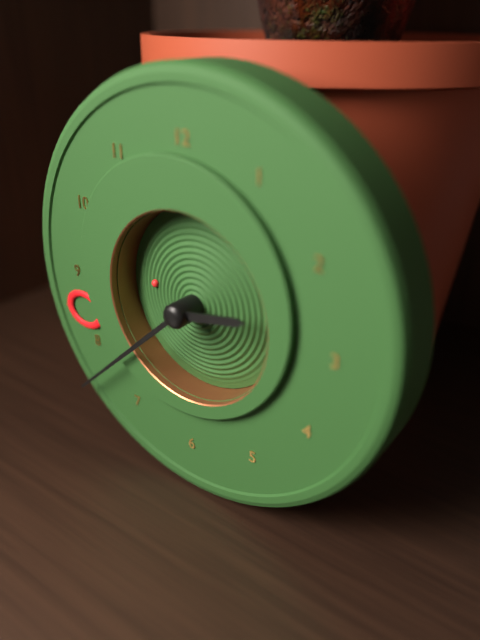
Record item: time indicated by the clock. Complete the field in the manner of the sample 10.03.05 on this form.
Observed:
2.38.46
